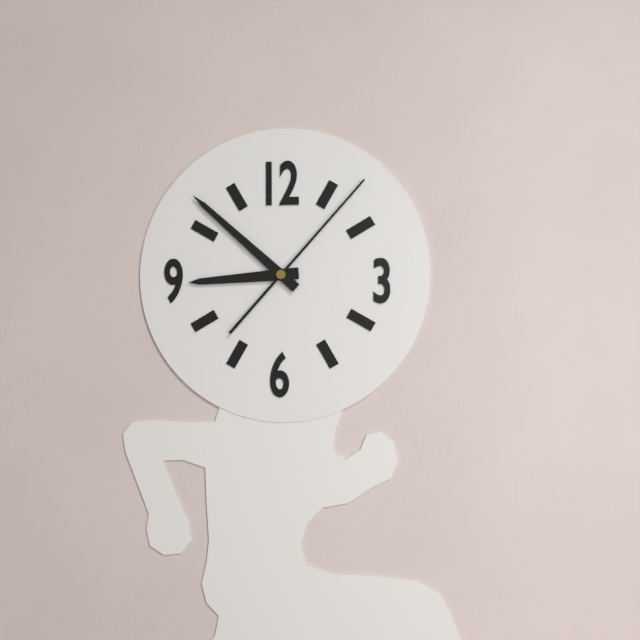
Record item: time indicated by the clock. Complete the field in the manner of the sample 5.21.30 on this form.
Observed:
8.52.07
